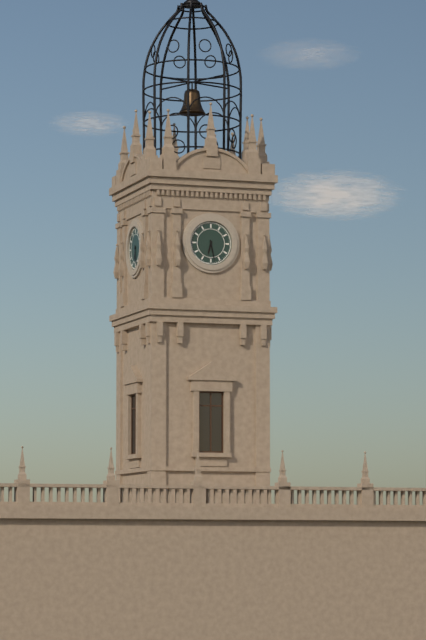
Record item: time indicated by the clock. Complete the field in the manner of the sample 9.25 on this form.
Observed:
6.28
